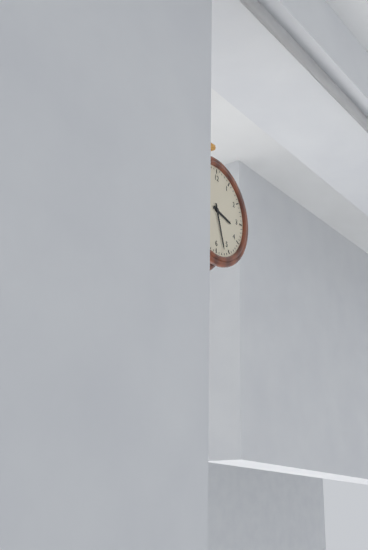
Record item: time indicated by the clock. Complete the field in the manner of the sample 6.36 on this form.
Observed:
3.27
